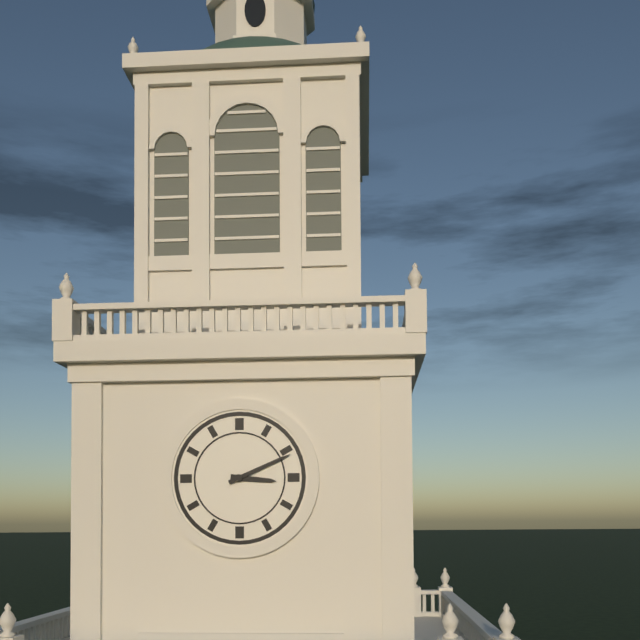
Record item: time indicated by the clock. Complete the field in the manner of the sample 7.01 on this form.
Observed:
3.11
